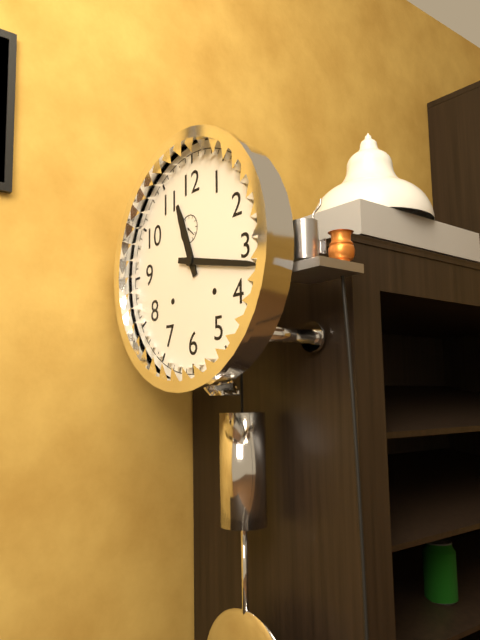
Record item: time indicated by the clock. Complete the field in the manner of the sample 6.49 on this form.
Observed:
11.17
